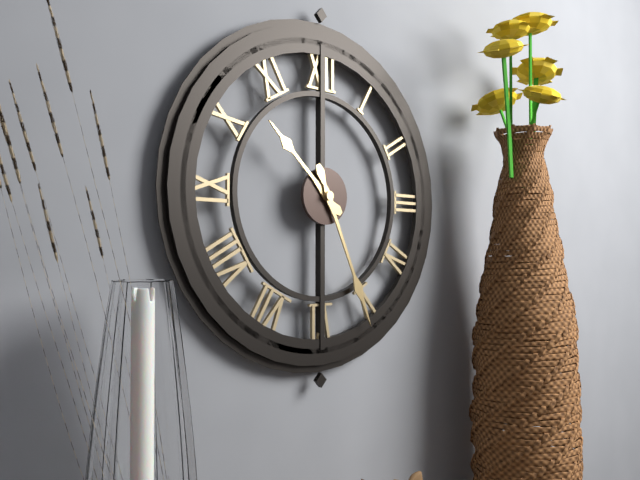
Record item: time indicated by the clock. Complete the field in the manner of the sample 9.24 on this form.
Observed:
10.26
